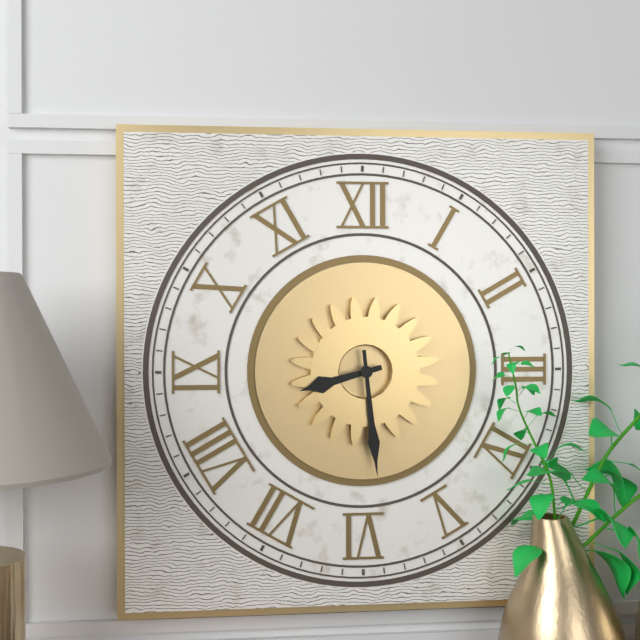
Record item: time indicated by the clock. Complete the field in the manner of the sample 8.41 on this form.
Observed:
8.29
